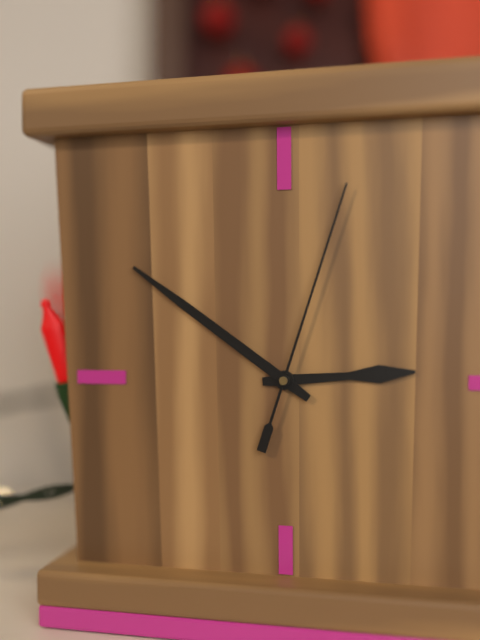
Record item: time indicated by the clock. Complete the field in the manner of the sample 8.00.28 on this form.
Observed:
2.51.03
